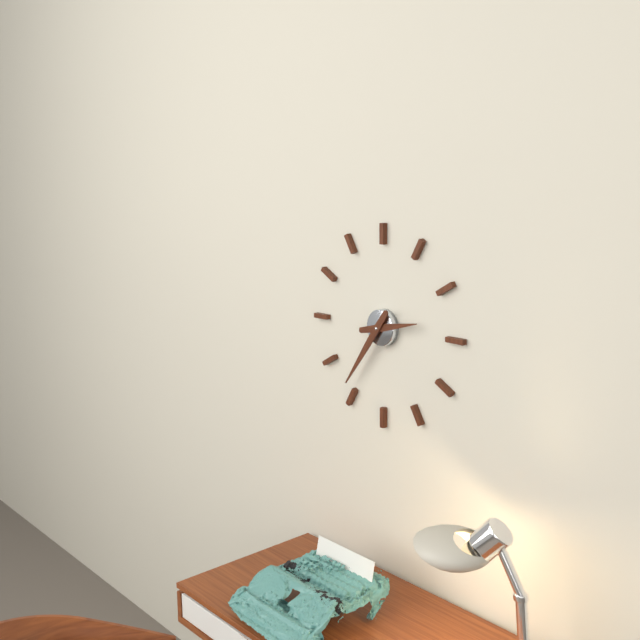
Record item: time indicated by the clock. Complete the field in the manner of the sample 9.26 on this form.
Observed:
2.36
